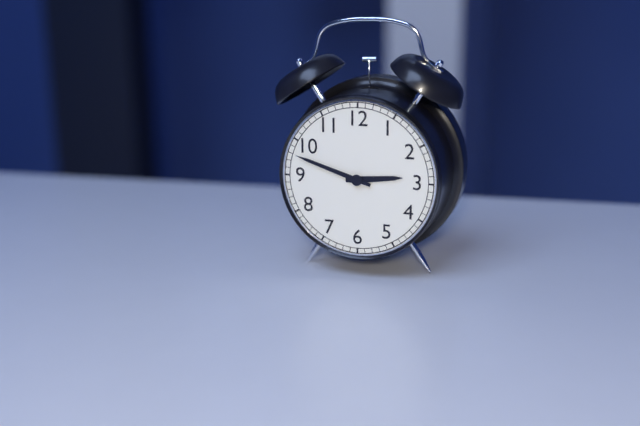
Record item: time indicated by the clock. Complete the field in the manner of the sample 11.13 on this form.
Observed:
2.48
